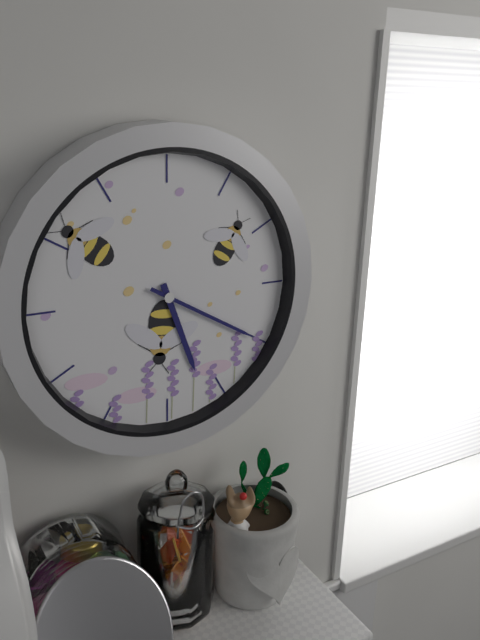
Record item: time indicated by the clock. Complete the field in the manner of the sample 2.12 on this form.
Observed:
5.20
